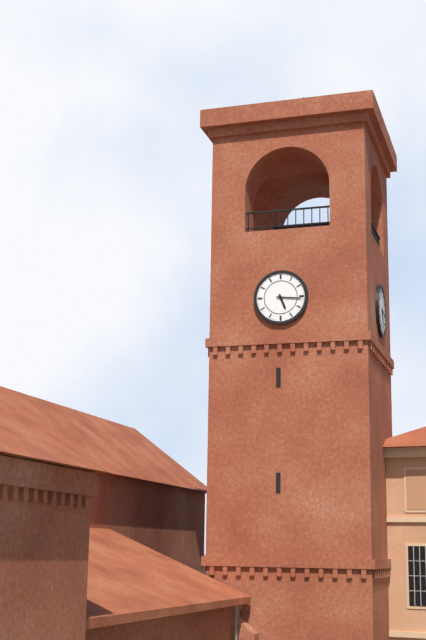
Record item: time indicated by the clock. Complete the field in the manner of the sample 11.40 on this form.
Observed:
5.16
